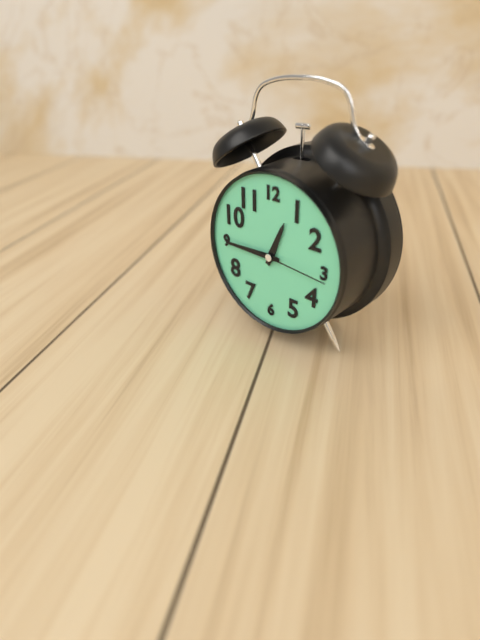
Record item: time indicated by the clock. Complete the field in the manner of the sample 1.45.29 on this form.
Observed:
12.45.16
